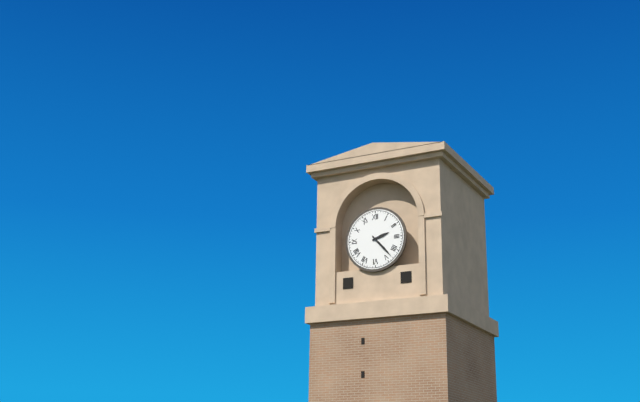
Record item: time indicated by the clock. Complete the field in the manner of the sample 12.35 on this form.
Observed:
2.23
